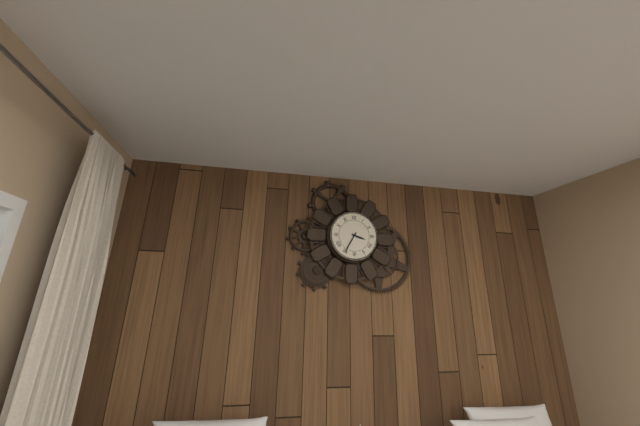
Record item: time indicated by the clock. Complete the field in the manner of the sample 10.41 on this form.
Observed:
3.35
